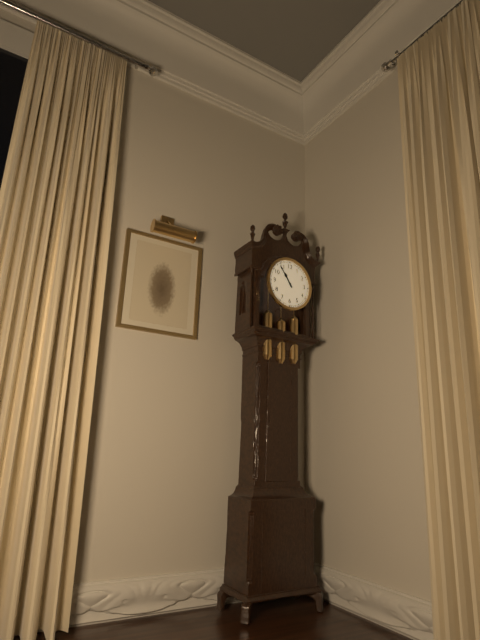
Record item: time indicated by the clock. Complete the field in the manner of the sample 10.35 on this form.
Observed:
10.54
